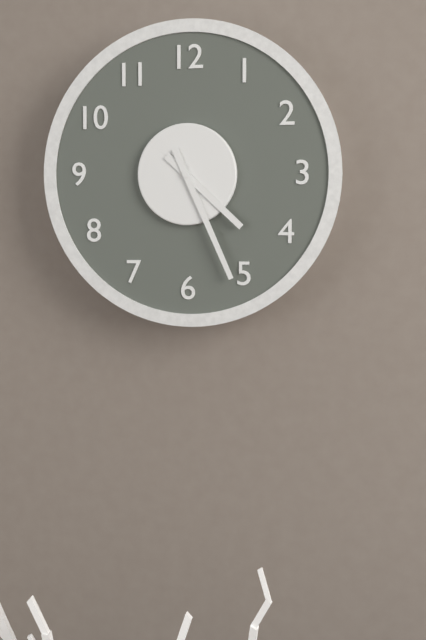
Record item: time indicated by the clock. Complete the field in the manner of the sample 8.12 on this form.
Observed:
4.26
